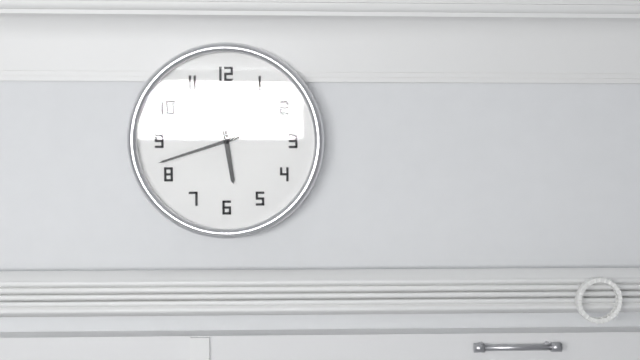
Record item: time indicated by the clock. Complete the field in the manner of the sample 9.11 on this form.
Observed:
5.42
